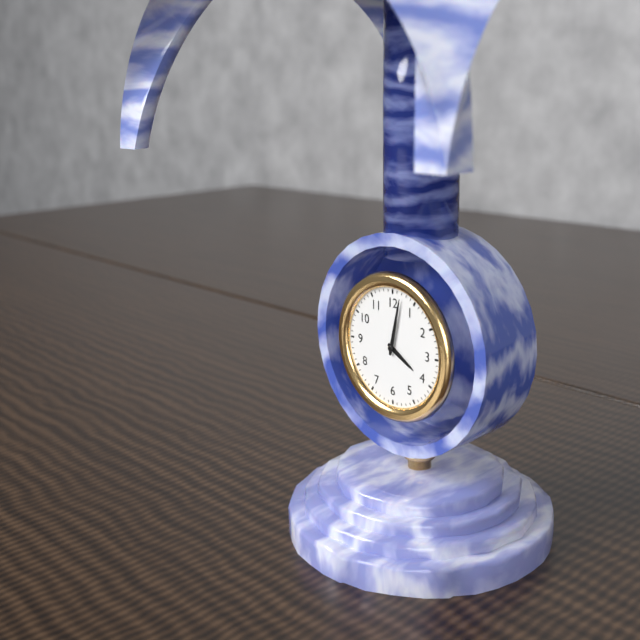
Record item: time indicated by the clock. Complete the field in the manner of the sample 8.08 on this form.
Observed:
4.02
